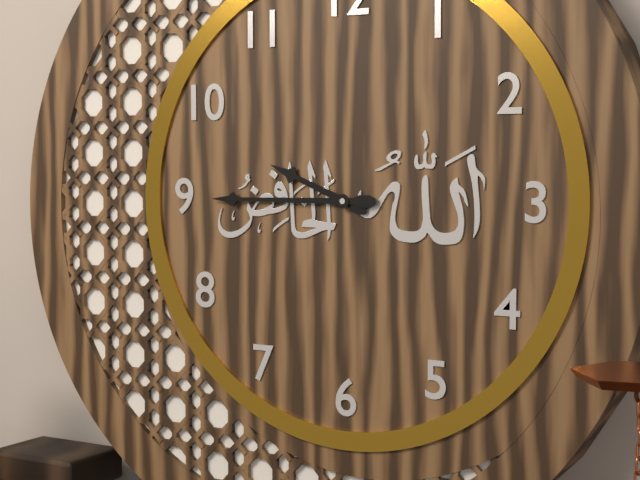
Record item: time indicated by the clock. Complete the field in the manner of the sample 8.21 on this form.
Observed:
9.45
